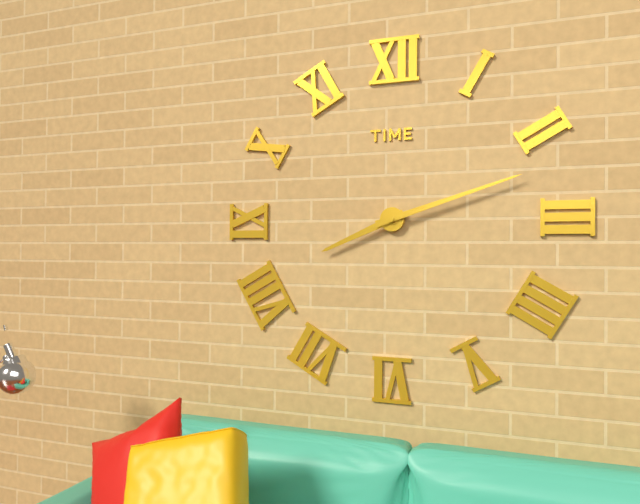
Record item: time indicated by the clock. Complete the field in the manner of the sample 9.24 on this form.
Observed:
8.12
